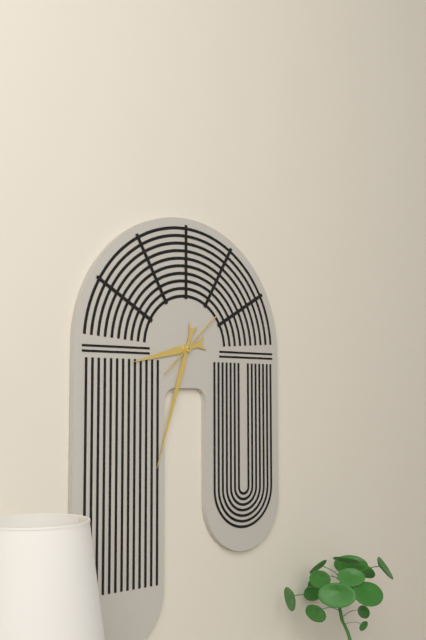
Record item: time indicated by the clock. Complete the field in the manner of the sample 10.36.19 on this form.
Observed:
8.33.08
